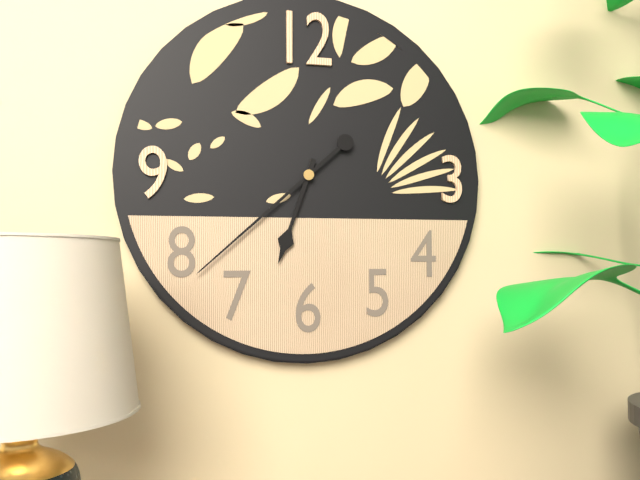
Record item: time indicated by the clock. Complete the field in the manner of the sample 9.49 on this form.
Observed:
6.38
